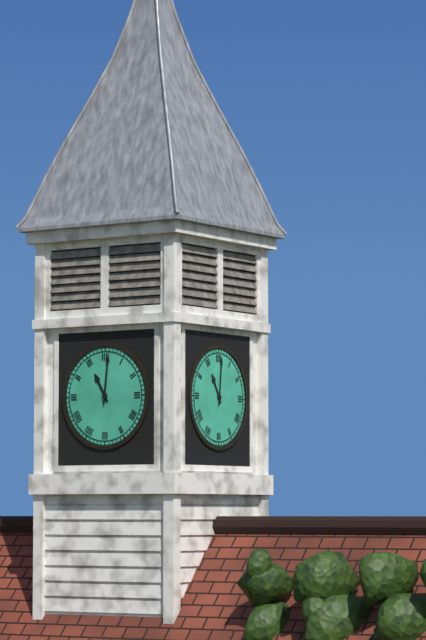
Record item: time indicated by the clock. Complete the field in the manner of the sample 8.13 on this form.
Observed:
11.01
